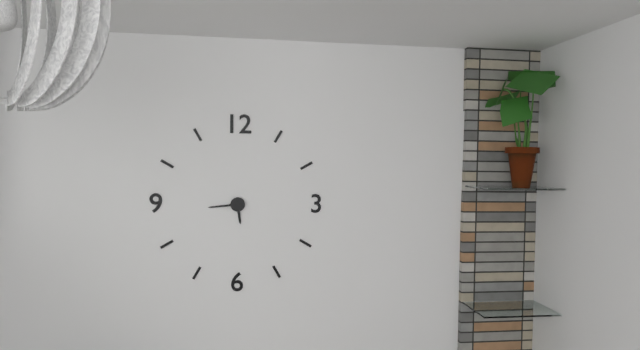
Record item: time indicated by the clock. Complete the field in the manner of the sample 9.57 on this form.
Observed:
5.44
